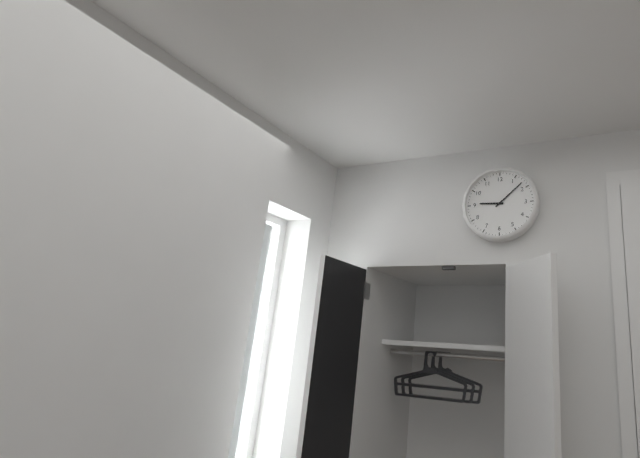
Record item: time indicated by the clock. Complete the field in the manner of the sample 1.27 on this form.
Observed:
9.08
